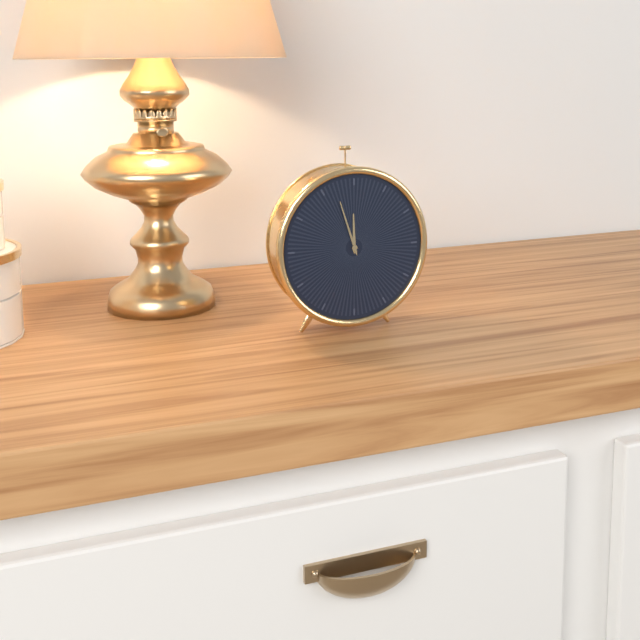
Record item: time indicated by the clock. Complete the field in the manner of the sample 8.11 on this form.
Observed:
11.57
